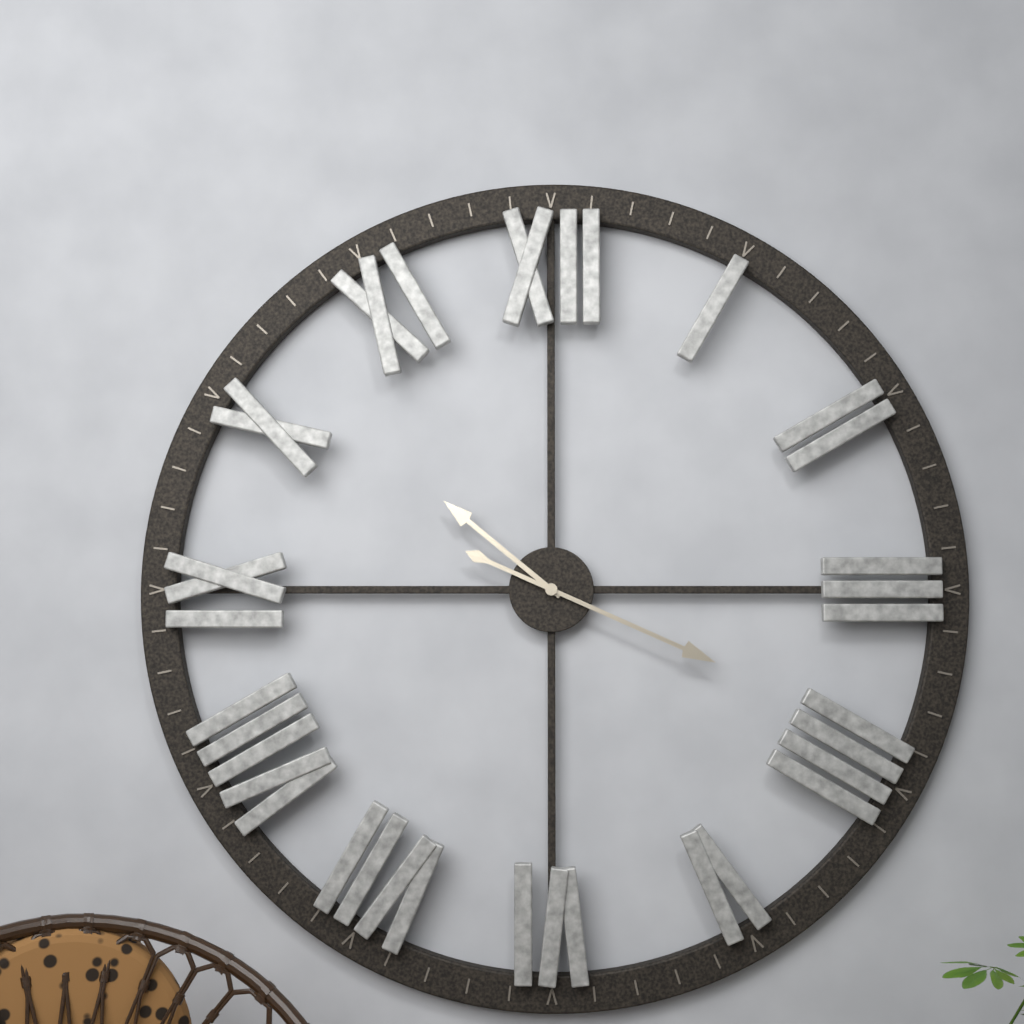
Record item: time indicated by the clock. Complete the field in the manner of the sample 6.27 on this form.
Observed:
10.19
